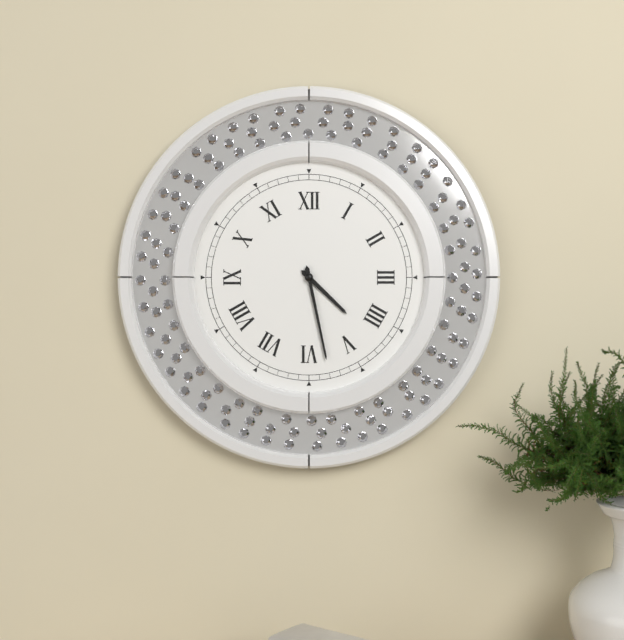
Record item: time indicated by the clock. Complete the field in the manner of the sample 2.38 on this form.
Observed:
4.28
